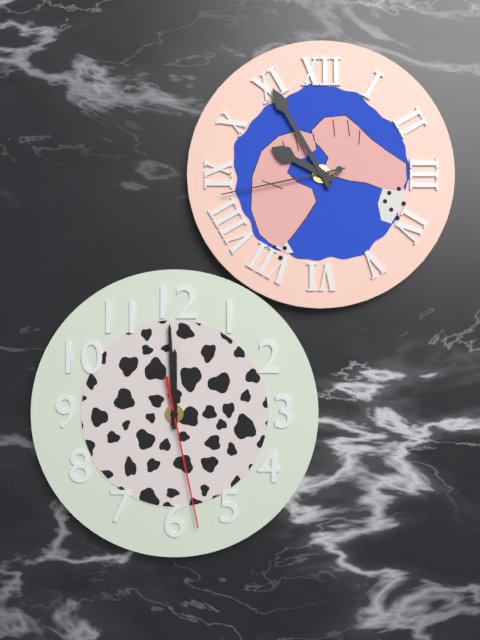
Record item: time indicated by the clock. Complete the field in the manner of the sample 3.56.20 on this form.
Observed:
9.55.43
